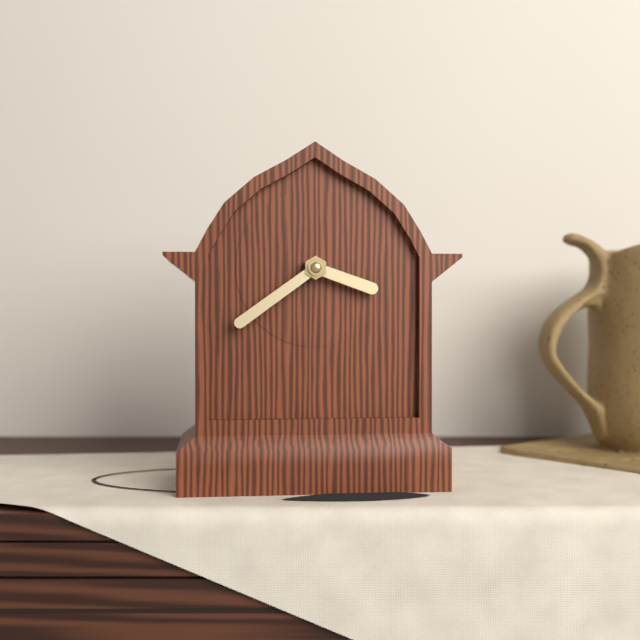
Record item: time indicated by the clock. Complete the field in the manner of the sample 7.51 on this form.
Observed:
3.39
